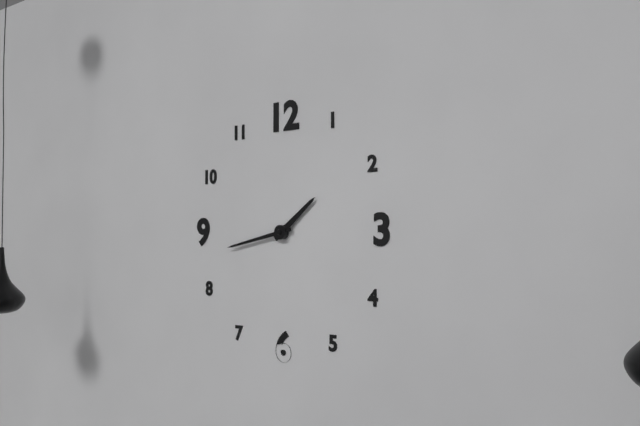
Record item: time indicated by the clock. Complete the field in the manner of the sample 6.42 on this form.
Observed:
1.43
